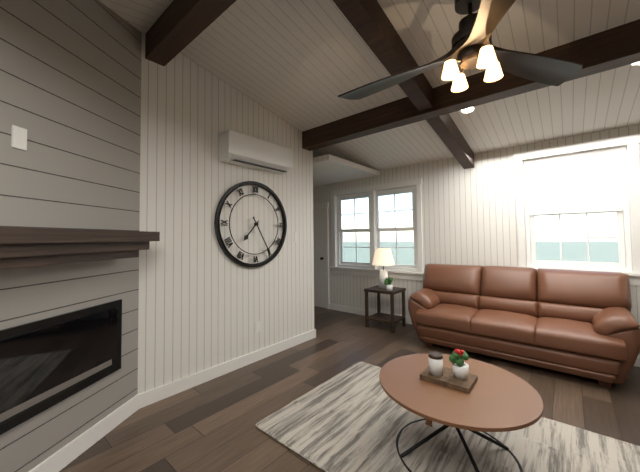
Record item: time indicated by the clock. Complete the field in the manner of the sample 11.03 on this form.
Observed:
7.25
